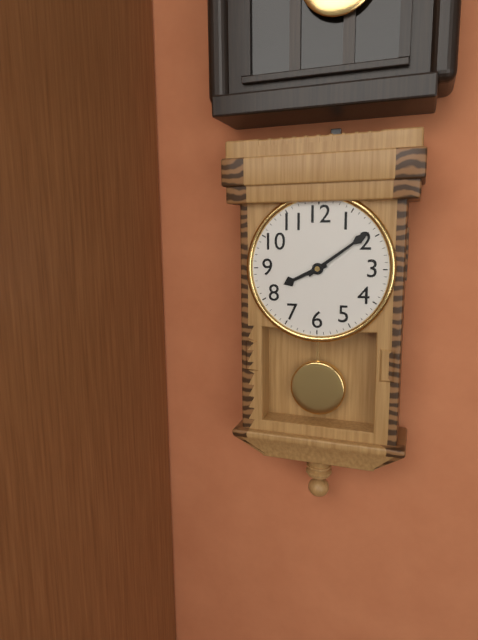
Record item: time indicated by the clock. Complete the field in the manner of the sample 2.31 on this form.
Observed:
8.09
